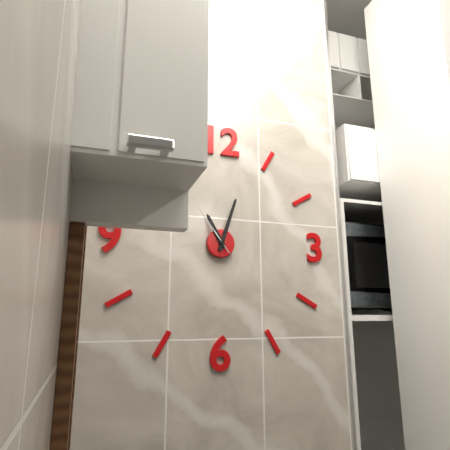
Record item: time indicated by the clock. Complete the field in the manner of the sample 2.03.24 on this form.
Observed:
11.03.54
